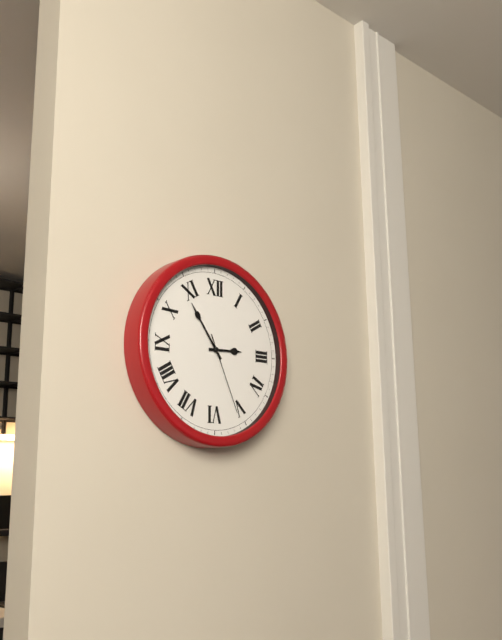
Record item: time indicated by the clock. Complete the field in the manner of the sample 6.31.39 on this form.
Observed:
2.54.26
